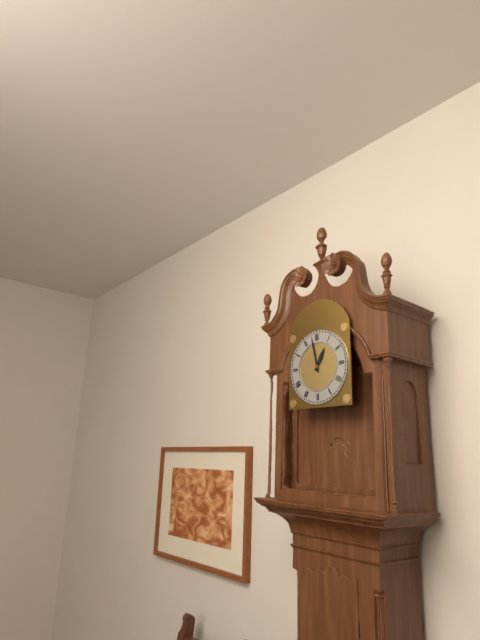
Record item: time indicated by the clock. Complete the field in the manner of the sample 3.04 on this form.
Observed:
12.58
